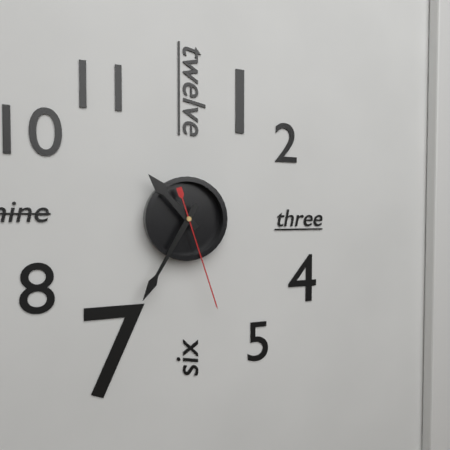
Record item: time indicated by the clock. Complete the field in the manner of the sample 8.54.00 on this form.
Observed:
10.35.27
